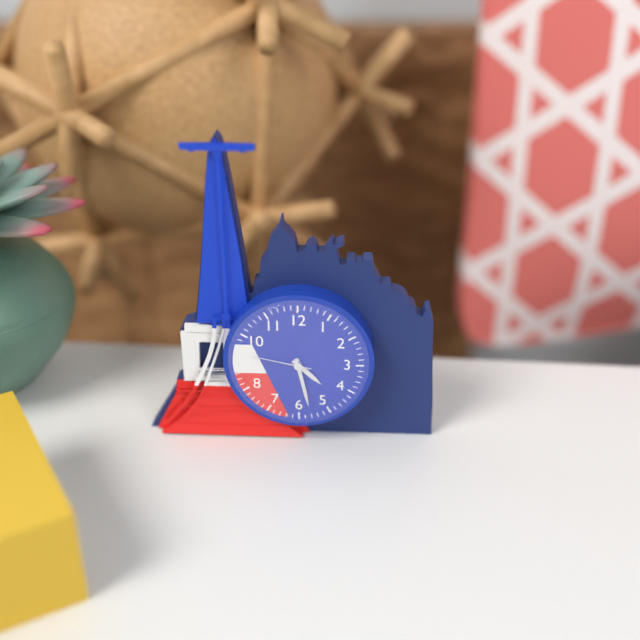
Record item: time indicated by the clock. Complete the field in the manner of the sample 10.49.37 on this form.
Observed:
4.28.47
